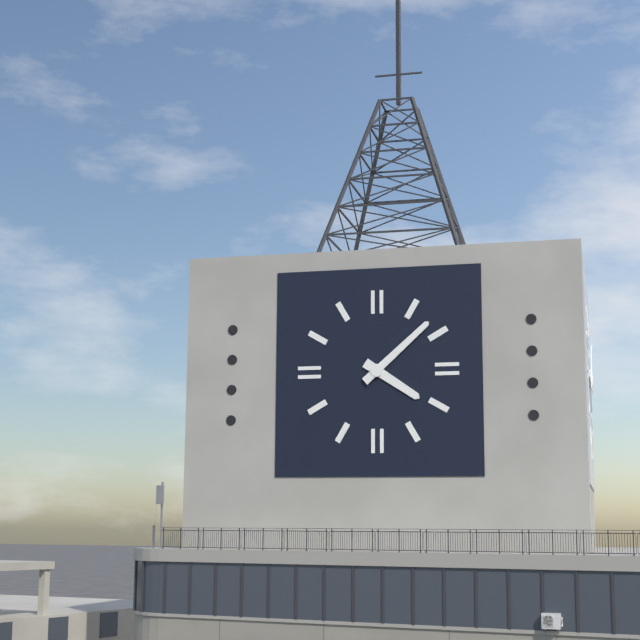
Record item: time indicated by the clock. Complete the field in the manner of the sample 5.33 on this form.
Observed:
4.08
